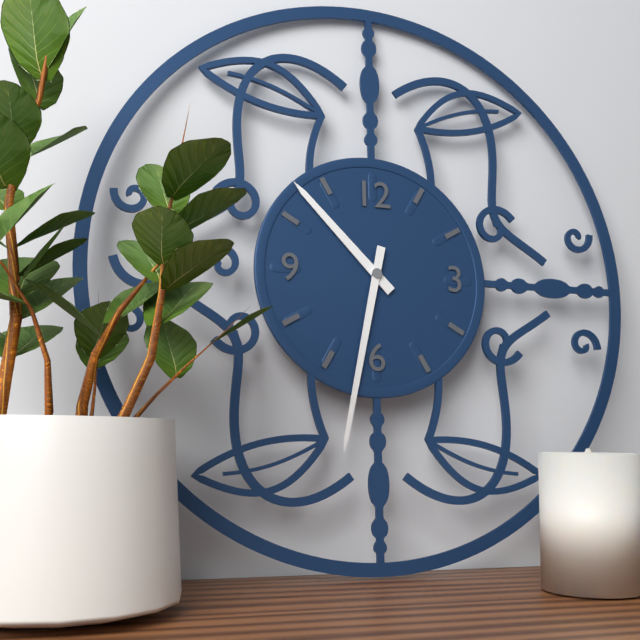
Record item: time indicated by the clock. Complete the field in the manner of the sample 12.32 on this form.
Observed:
10.32
